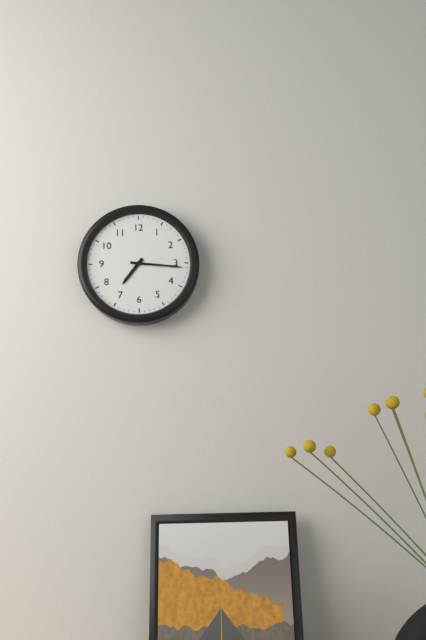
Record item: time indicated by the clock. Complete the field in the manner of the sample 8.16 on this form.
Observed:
7.16
